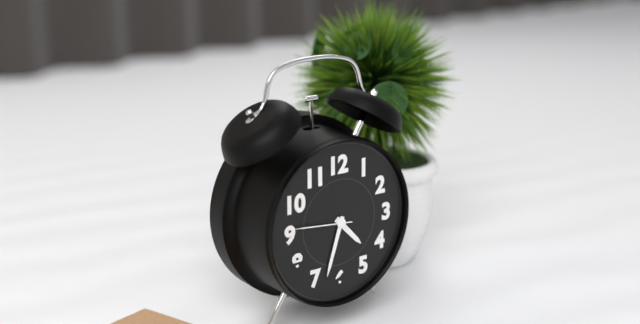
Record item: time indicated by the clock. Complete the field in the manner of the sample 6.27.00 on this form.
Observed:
4.33.46
